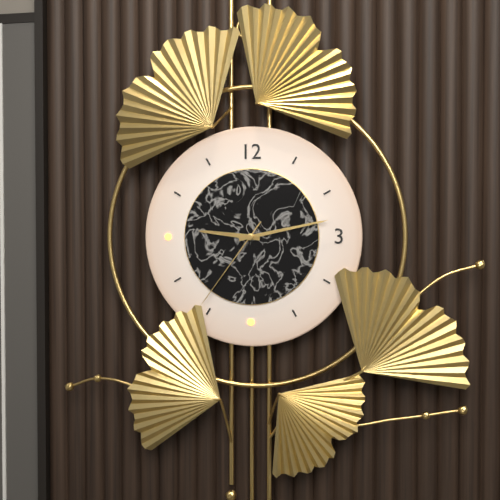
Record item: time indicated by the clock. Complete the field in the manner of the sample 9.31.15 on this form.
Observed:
9.13.36
